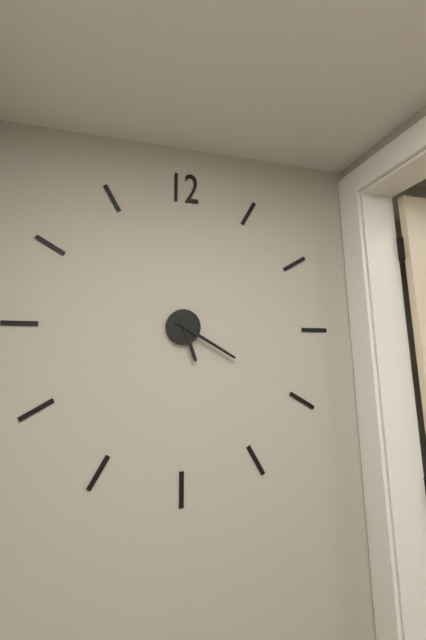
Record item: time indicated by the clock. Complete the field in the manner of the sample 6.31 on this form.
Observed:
5.20
